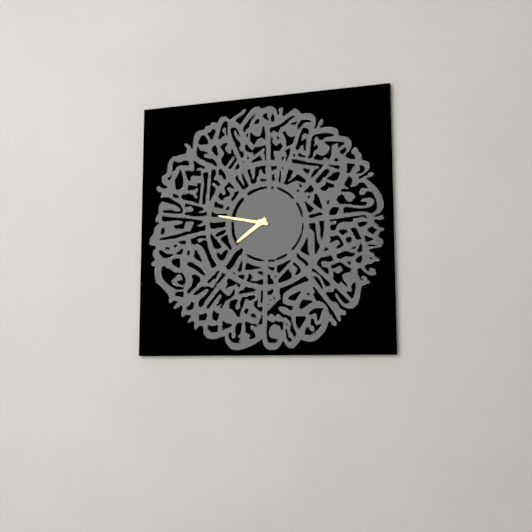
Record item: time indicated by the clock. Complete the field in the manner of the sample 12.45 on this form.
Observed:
7.47
